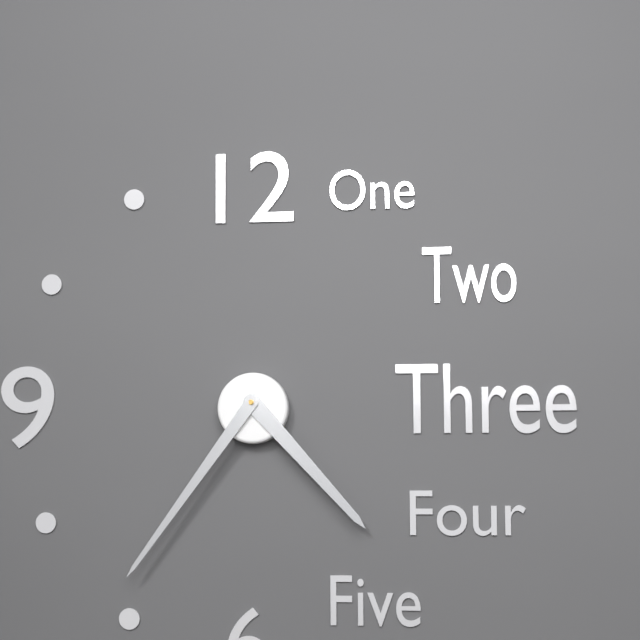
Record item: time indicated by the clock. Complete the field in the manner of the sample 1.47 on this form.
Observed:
4.36
